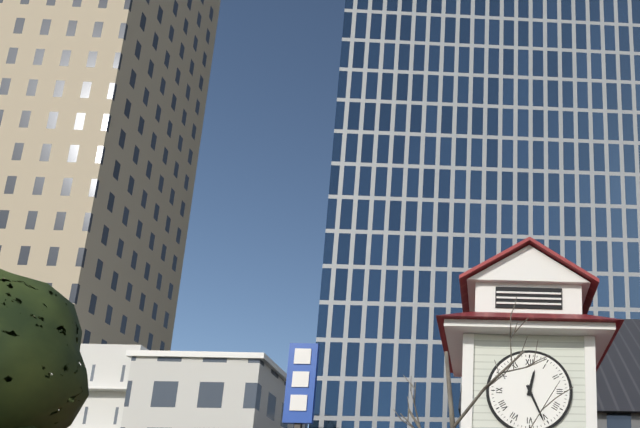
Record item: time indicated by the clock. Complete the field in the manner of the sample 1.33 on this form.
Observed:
12.26
